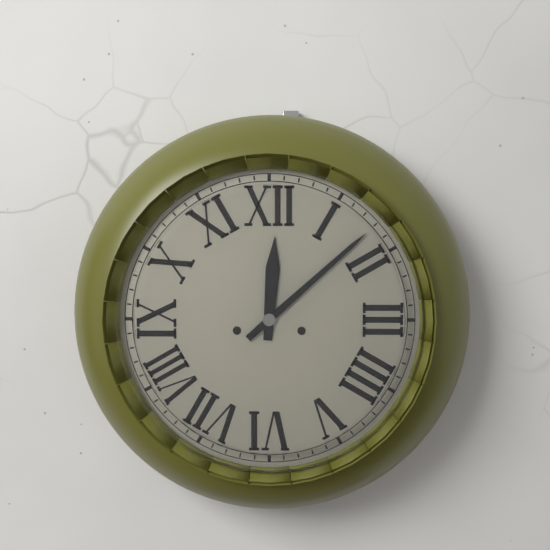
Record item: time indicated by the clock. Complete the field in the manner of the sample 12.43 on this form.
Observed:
12.08
